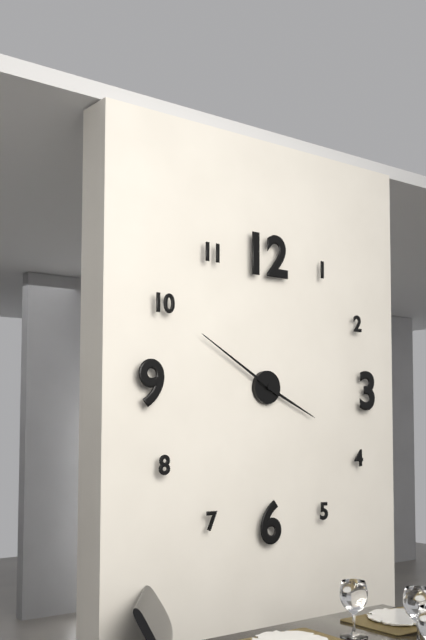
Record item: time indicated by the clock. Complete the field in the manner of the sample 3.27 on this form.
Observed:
3.50
